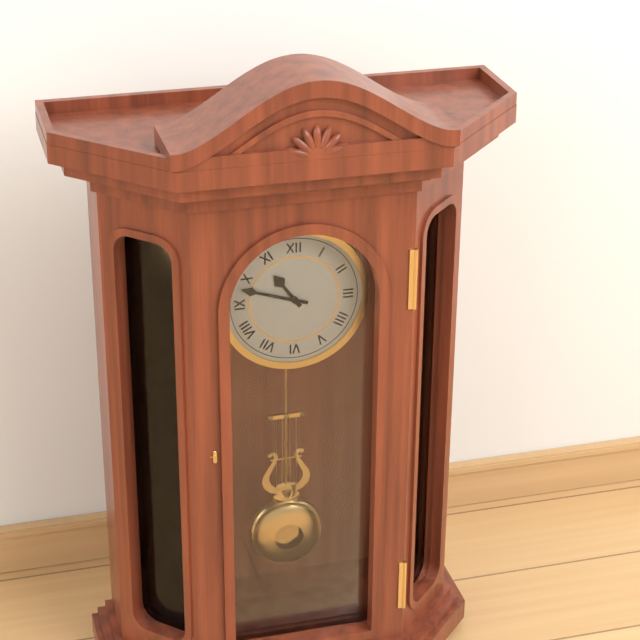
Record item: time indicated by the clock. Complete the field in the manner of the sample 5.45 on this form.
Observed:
10.48
